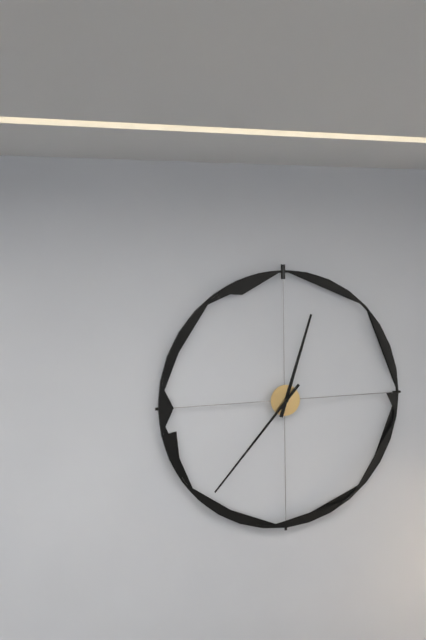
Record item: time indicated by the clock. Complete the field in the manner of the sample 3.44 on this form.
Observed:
12.37
